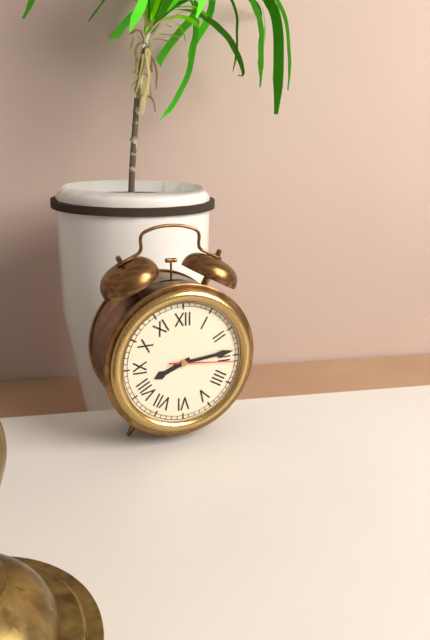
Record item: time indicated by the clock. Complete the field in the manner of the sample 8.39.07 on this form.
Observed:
8.14.16
